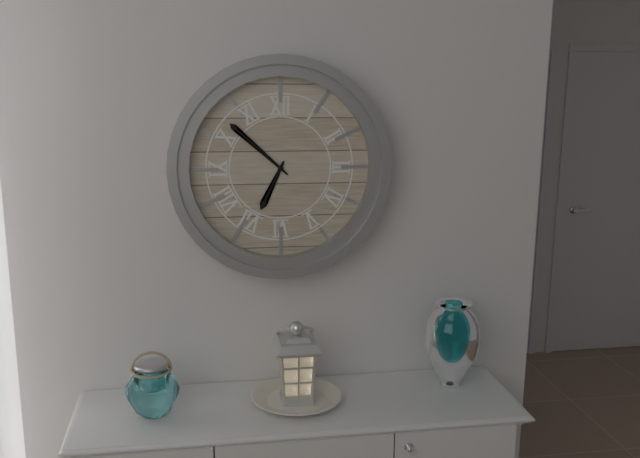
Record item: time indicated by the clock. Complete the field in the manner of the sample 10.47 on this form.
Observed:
6.52
